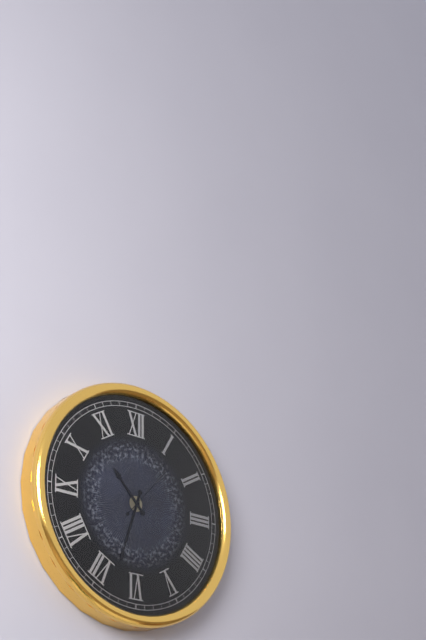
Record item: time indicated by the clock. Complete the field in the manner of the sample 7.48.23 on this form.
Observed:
10.33.07
